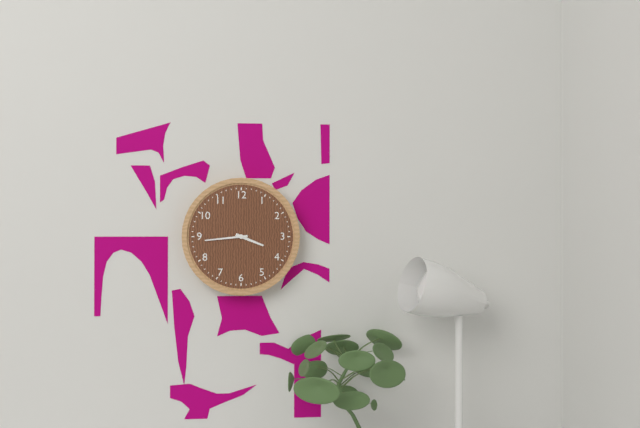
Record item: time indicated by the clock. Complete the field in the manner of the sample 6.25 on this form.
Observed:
3.44
